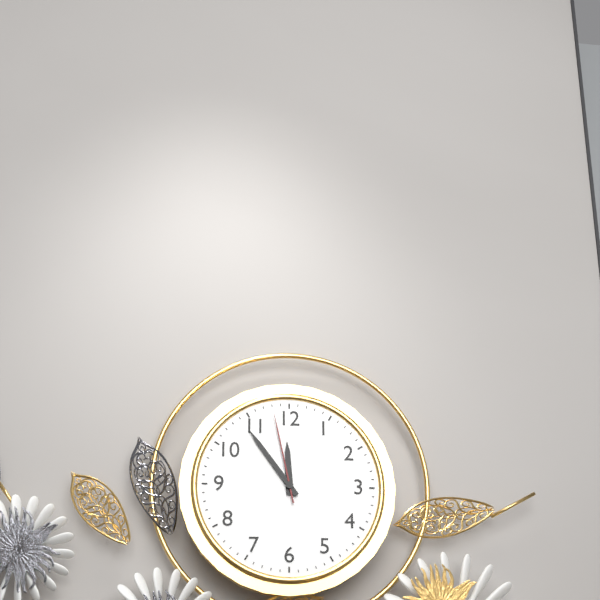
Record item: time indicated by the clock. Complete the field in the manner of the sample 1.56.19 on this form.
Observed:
11.54.58
